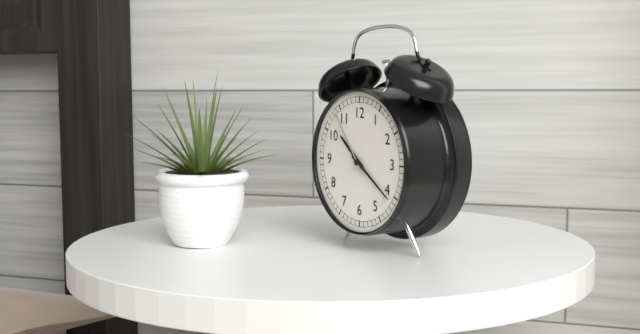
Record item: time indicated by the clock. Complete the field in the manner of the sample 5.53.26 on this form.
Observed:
10.21.54
